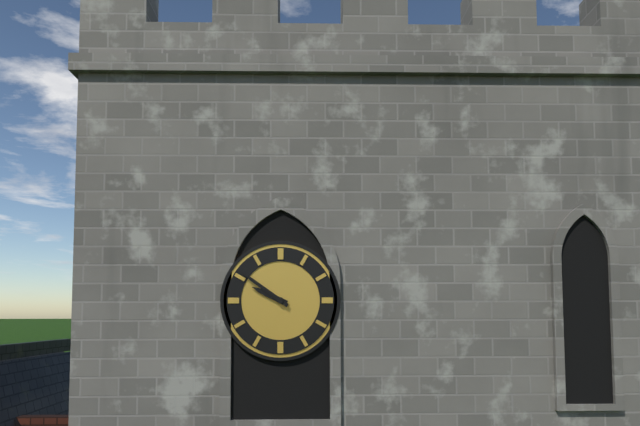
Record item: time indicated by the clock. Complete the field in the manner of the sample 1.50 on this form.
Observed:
9.51
